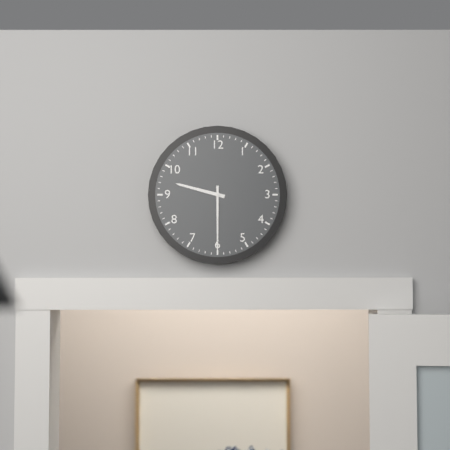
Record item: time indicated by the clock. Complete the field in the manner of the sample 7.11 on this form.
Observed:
9.30
